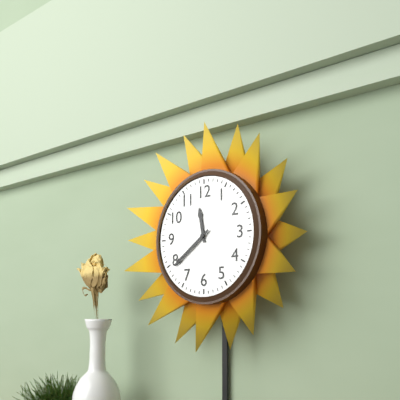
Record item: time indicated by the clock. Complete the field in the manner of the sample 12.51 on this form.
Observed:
11.39
